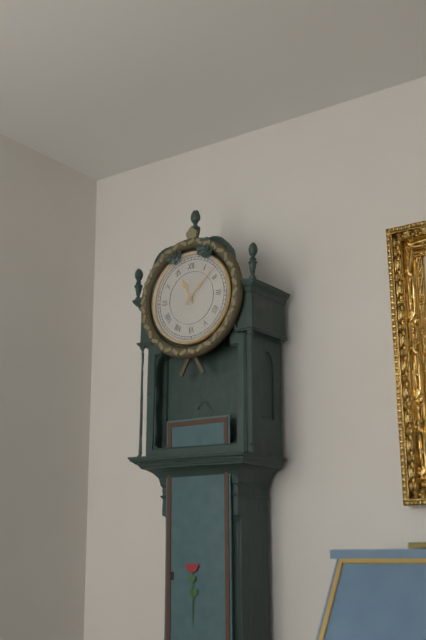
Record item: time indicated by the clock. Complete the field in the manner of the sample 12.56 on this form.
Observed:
11.08
